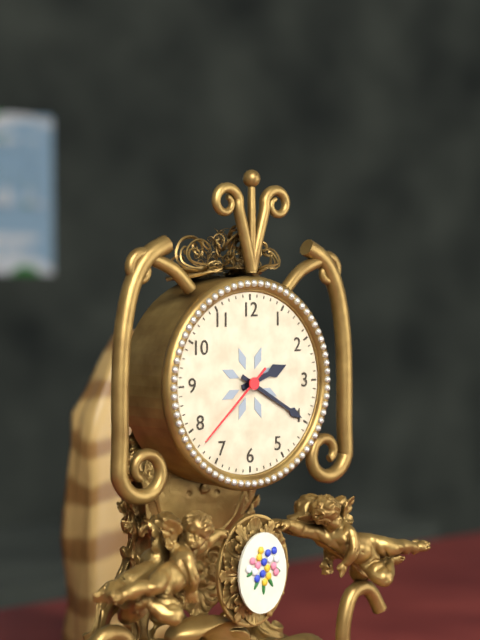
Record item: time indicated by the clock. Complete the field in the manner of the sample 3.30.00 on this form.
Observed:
2.20.38
